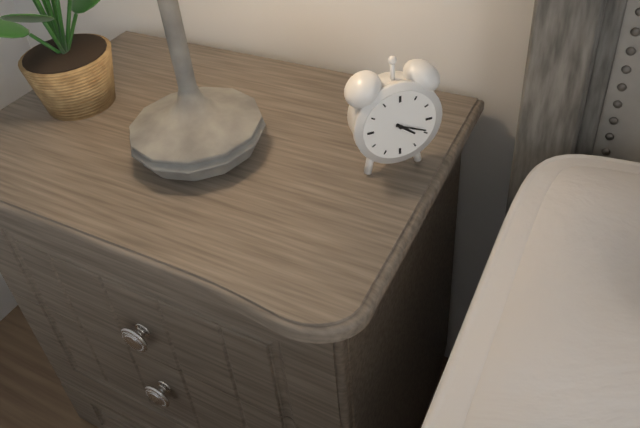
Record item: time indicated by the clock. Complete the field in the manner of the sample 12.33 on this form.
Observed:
4.19
